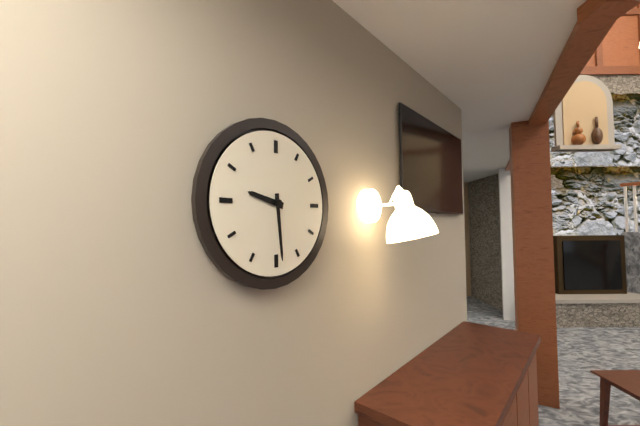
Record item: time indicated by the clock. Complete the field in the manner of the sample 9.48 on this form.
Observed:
9.29
